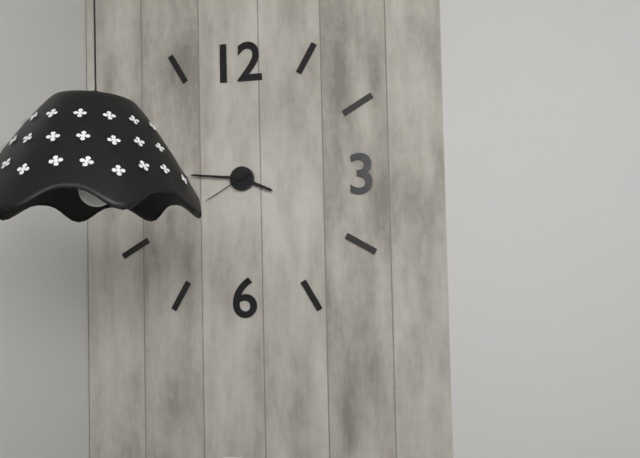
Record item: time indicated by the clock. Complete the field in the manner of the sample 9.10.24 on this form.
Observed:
3.46.40
